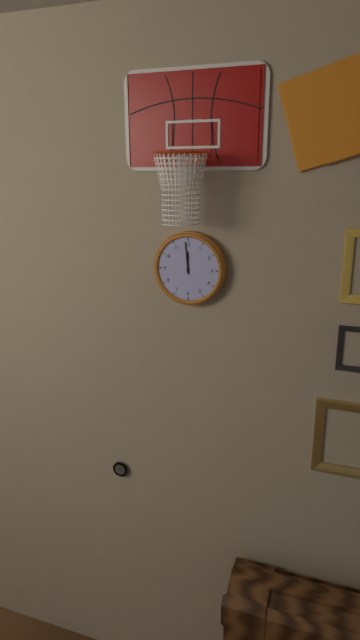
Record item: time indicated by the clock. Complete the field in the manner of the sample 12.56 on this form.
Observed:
11.59
